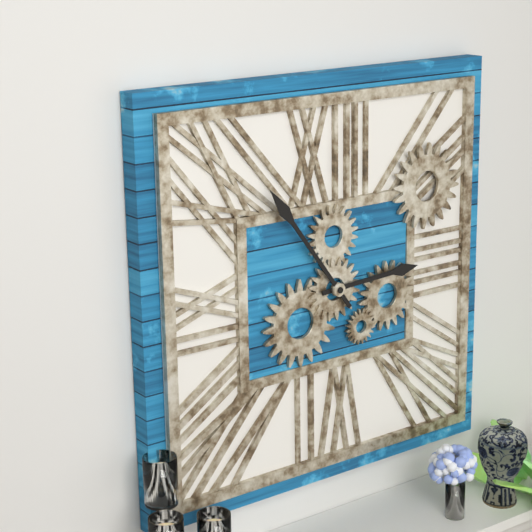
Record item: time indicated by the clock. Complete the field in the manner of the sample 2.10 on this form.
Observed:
2.54
